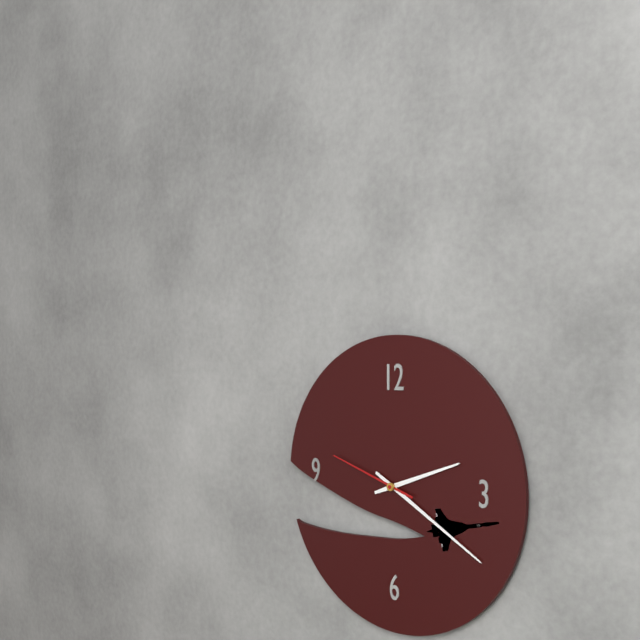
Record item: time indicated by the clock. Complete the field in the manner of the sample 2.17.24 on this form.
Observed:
2.20.48
